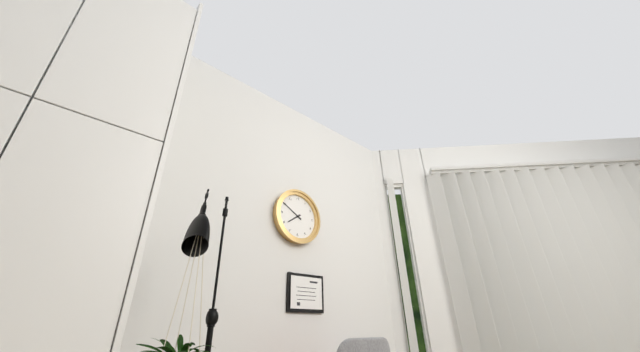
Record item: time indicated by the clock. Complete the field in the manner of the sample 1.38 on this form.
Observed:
7.50
